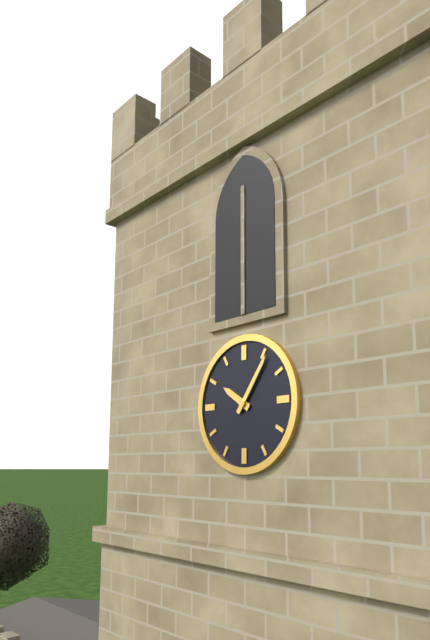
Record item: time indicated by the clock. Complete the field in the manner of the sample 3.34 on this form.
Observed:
10.06
